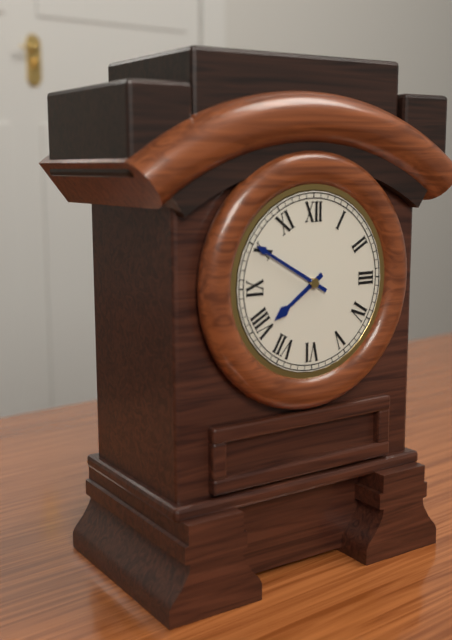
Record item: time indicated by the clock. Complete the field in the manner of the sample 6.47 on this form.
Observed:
7.50
